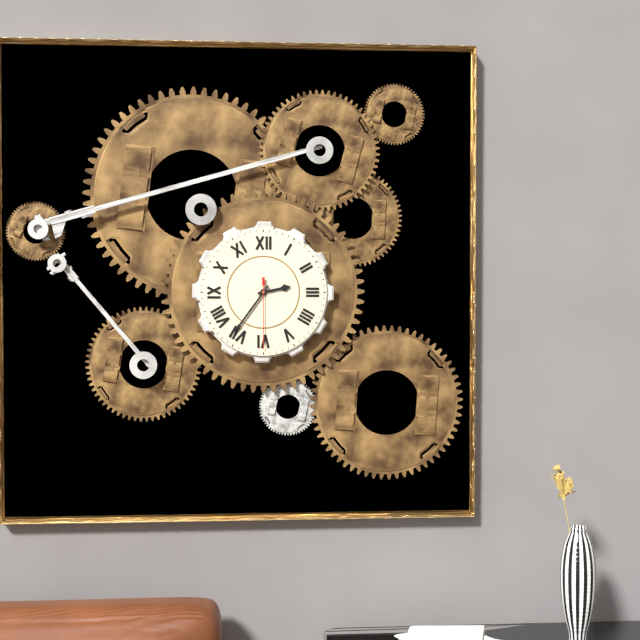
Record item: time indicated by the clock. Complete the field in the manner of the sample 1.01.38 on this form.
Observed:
2.36.30
